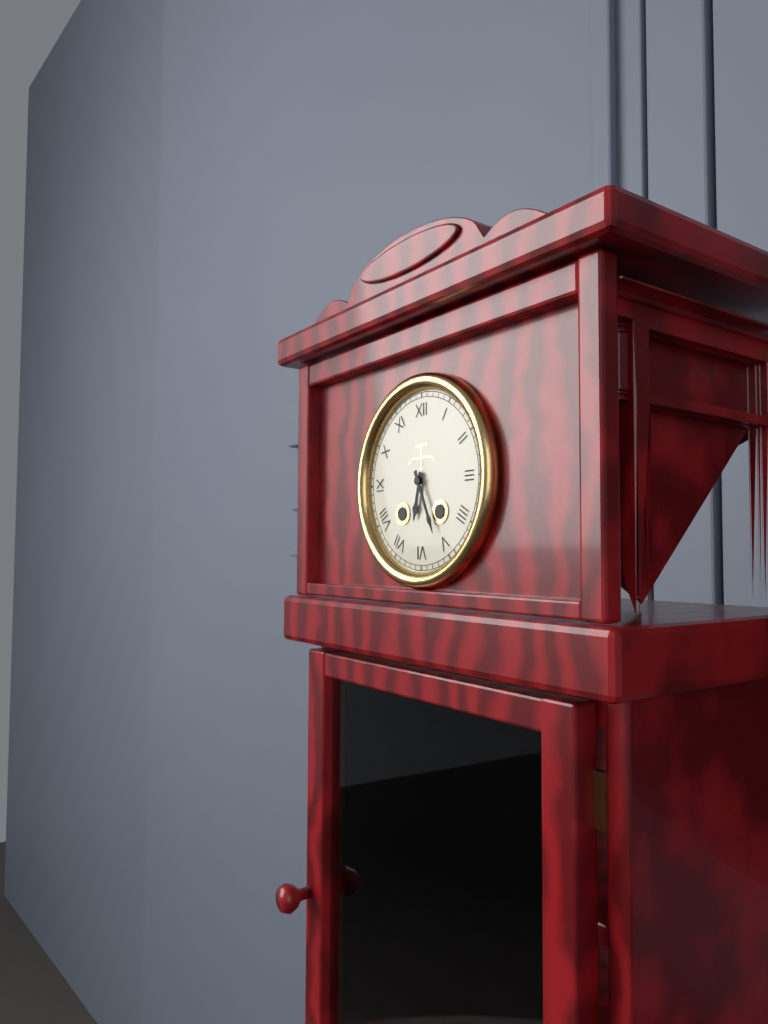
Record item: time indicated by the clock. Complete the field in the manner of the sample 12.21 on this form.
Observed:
6.26
